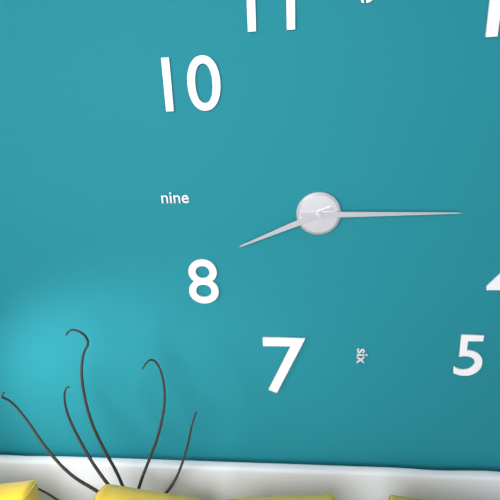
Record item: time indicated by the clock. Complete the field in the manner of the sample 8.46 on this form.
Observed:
8.15
